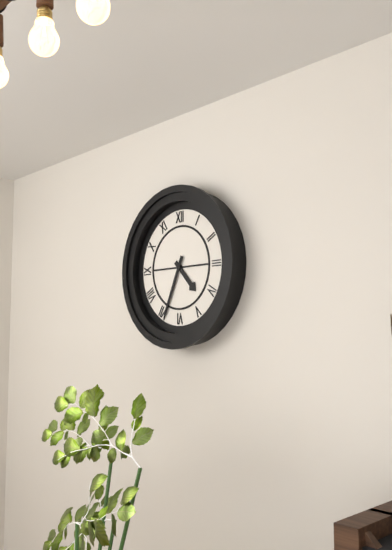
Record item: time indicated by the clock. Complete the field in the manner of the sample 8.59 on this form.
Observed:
4.34
